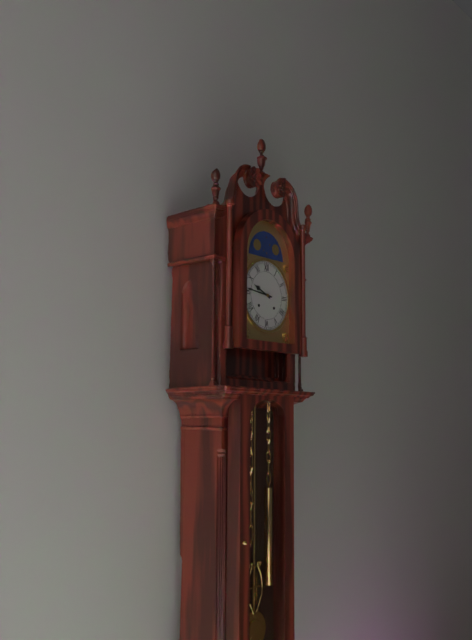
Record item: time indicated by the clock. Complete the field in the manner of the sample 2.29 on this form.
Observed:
9.46
